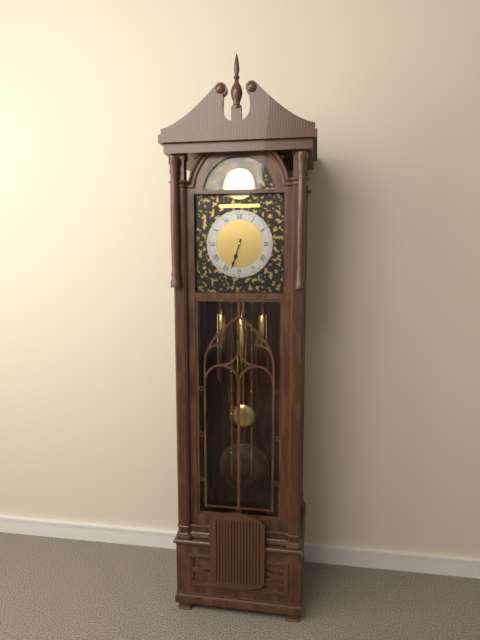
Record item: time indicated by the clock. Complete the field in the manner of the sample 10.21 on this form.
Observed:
6.33
